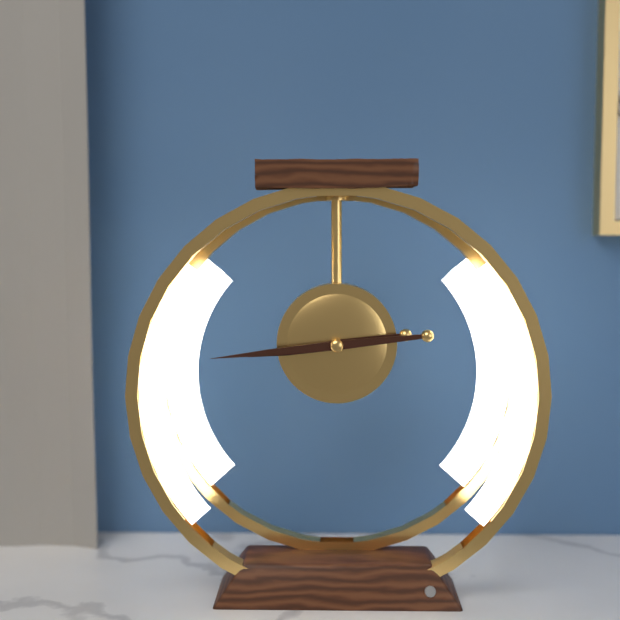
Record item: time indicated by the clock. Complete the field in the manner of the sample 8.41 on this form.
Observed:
8.44
